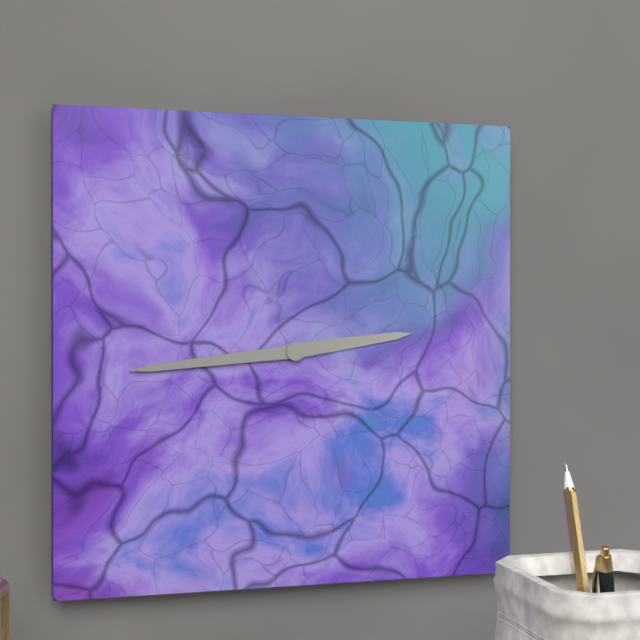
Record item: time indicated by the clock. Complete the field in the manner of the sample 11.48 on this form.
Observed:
2.44
